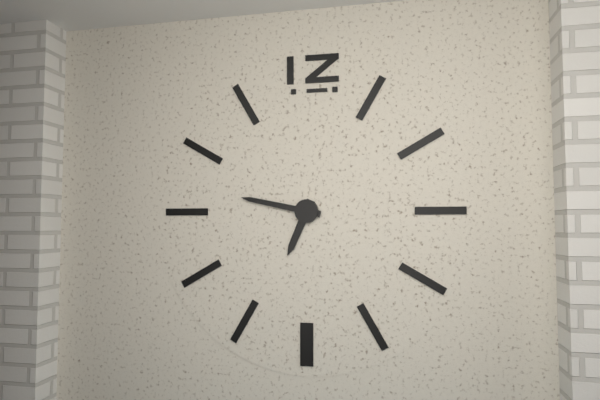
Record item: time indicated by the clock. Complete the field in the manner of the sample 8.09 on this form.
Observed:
6.47
